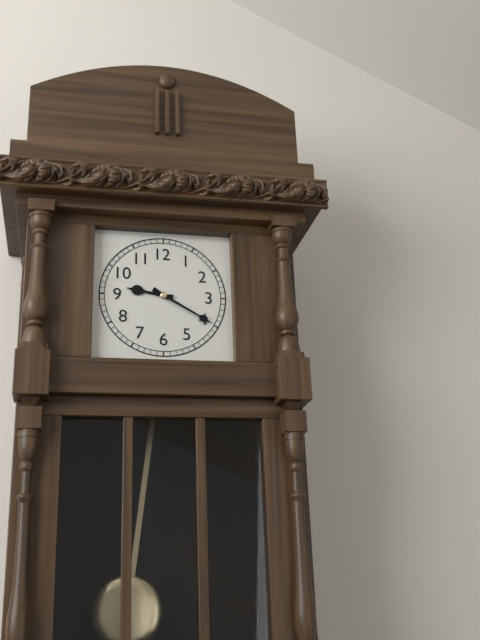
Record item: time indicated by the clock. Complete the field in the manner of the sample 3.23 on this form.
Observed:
9.20
